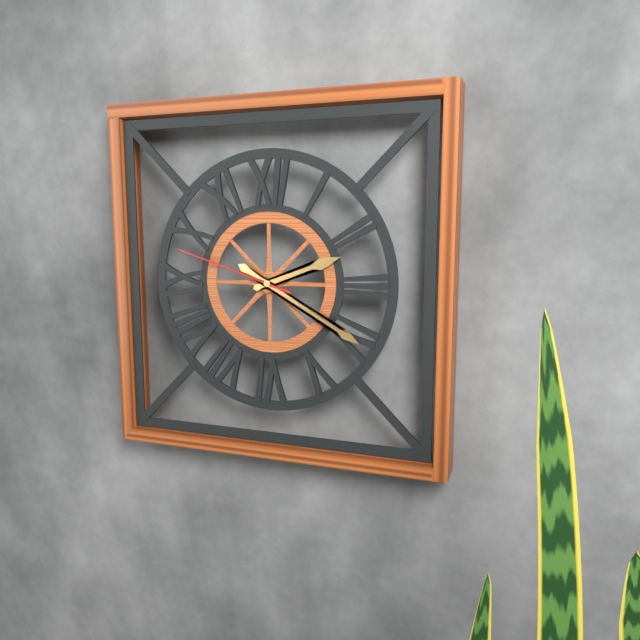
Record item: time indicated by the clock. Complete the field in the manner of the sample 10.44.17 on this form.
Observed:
2.20.48
